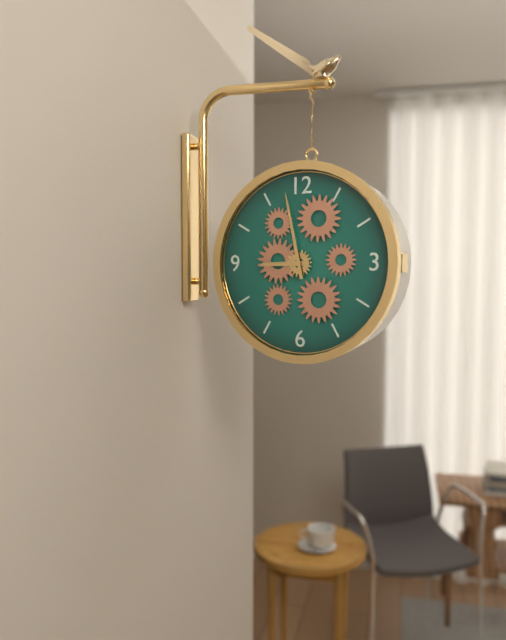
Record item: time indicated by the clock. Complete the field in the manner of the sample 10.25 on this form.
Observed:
8.58
